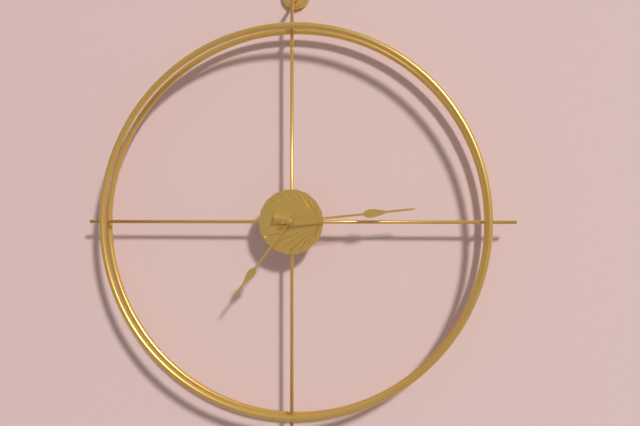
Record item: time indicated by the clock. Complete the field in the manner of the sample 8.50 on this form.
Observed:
7.14
